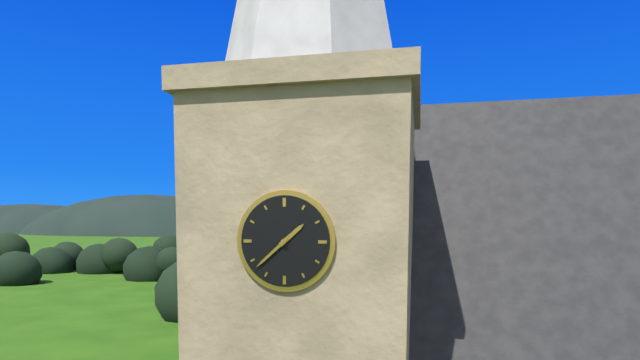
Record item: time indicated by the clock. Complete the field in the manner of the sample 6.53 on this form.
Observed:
1.38
